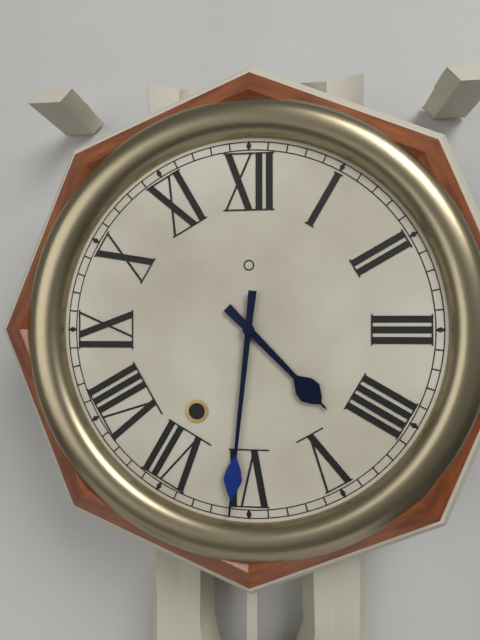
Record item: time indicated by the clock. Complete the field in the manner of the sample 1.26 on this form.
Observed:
4.31
